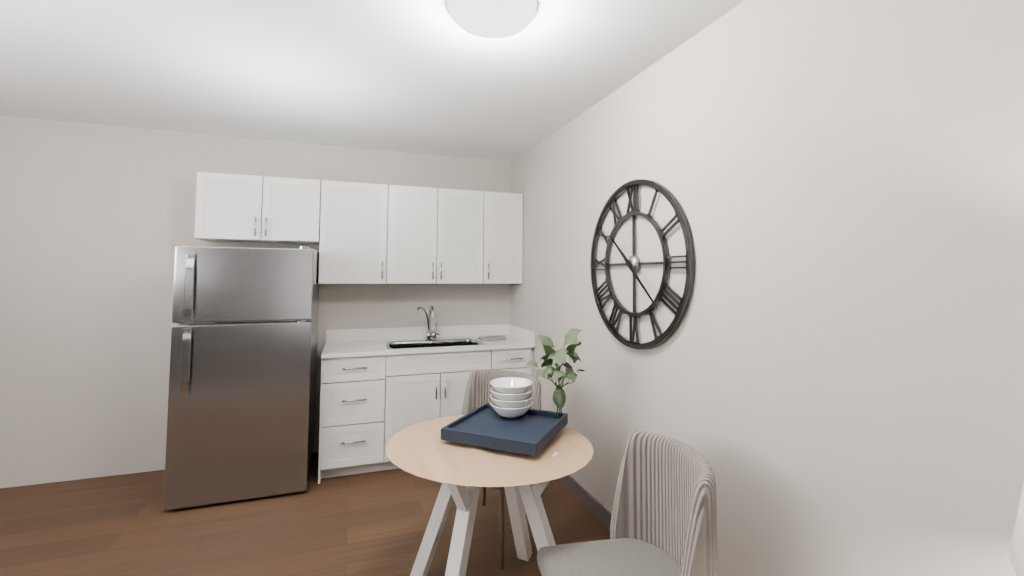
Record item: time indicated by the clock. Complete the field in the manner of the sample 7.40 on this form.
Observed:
10.22
